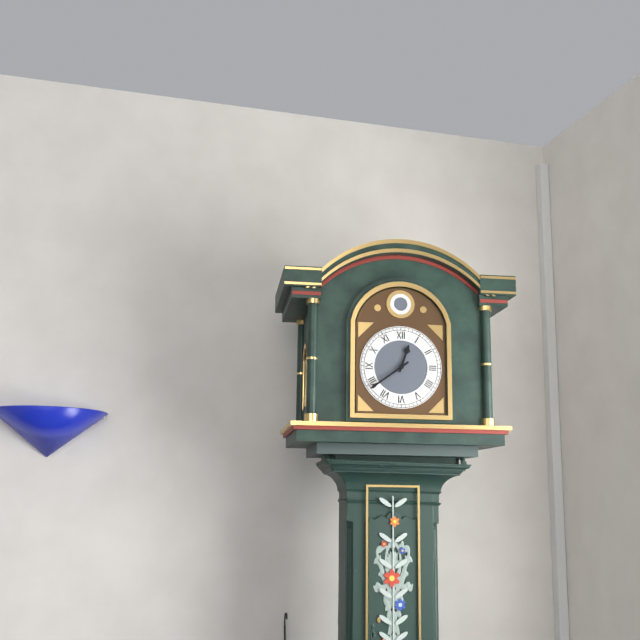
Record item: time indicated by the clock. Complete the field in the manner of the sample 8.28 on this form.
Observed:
12.39
